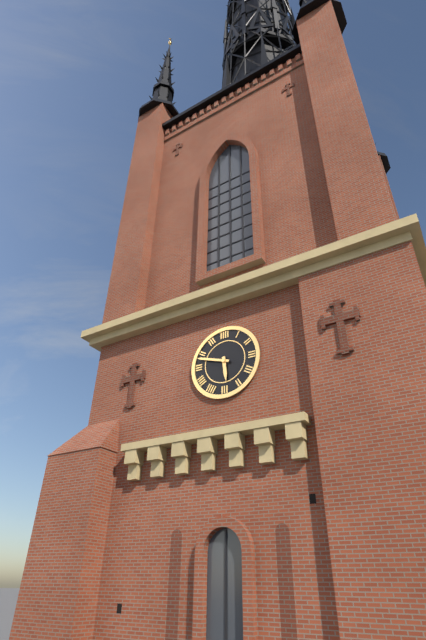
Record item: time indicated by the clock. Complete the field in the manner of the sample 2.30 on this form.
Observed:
5.48
